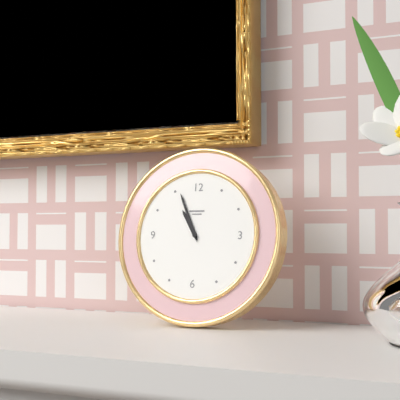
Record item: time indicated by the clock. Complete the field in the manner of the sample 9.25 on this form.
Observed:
10.56
